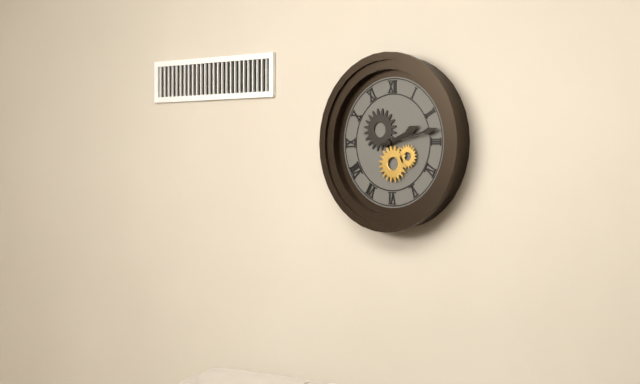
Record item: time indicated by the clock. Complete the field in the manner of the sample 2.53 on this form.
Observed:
2.13
